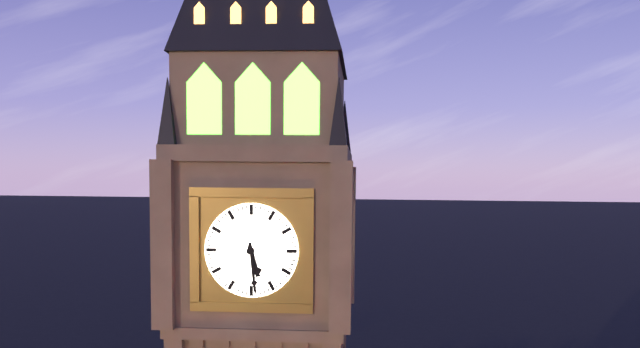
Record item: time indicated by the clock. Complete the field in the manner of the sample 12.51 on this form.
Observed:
5.29
